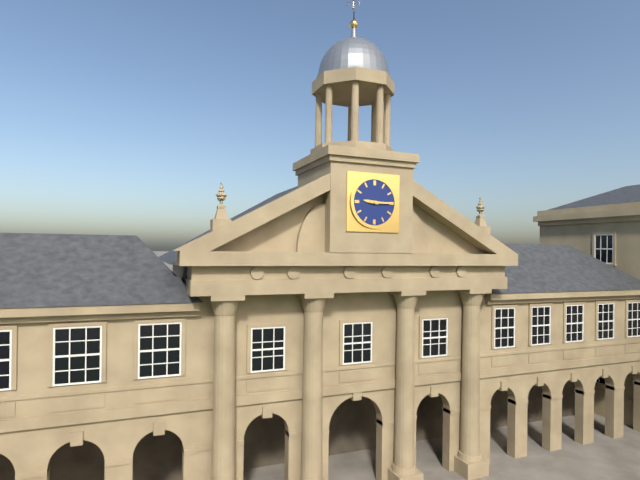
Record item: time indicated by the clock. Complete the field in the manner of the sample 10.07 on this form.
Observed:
9.15
